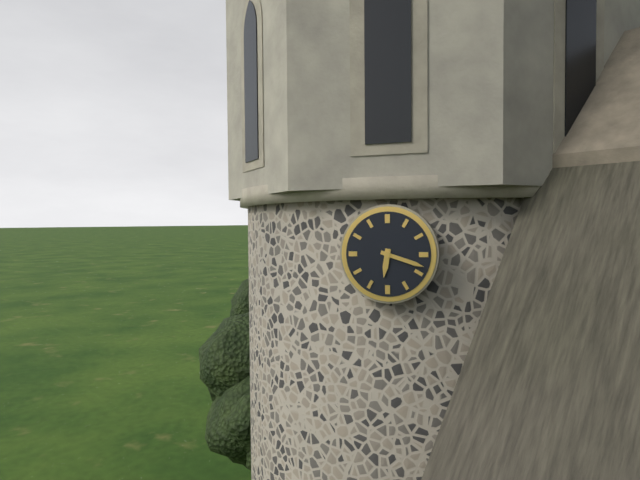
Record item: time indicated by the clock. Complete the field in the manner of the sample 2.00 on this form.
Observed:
6.18
